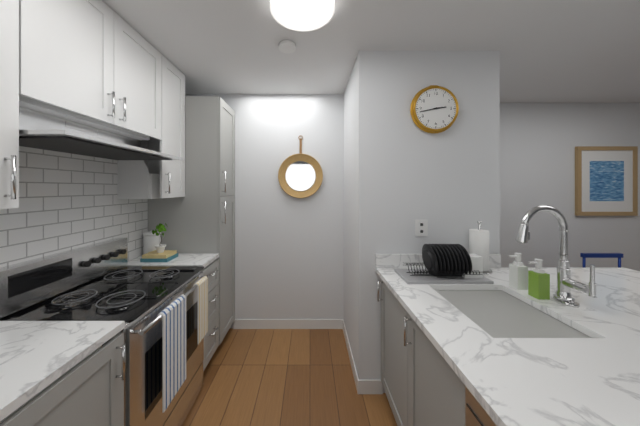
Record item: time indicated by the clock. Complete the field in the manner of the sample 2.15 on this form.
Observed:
2.43
